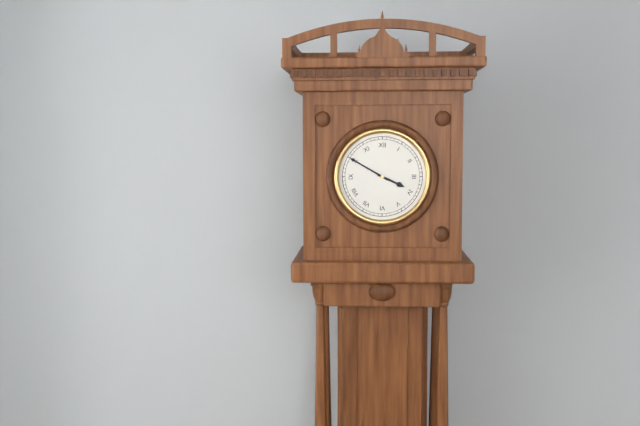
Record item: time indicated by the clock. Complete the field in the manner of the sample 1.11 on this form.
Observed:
3.50
